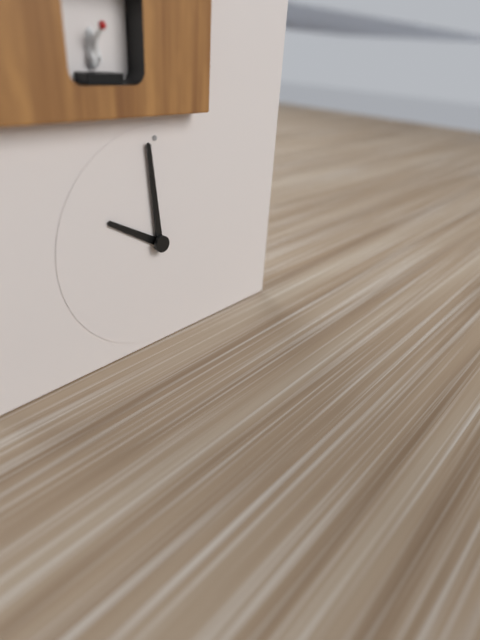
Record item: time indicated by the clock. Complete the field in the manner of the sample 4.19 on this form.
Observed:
9.59
